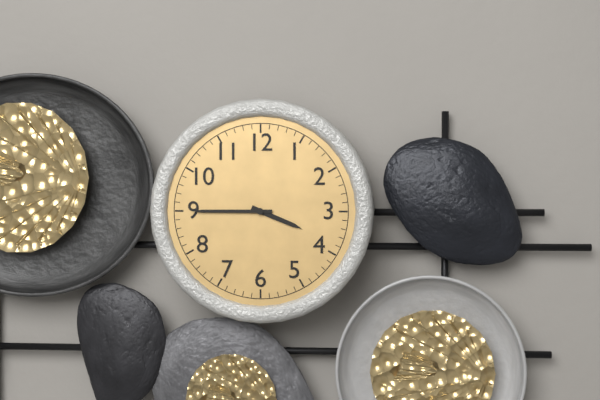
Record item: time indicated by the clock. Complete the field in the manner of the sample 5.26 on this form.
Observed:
3.45
